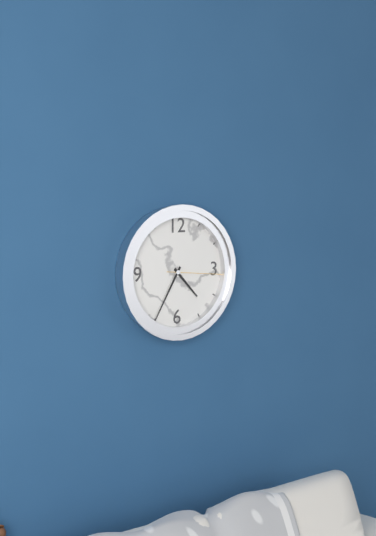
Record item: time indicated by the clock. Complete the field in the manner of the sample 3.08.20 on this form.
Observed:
4.35.16
